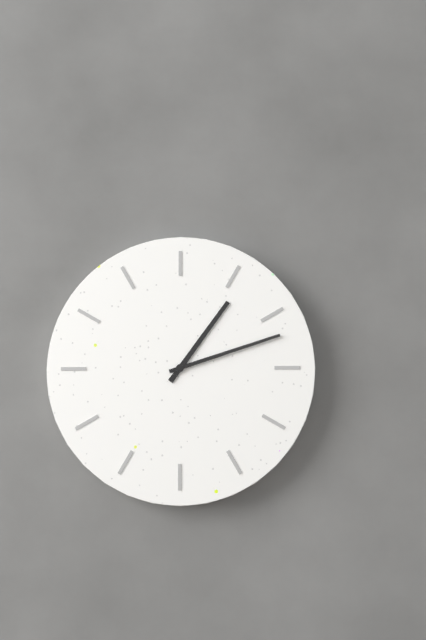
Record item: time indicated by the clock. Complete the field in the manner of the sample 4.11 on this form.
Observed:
1.12
